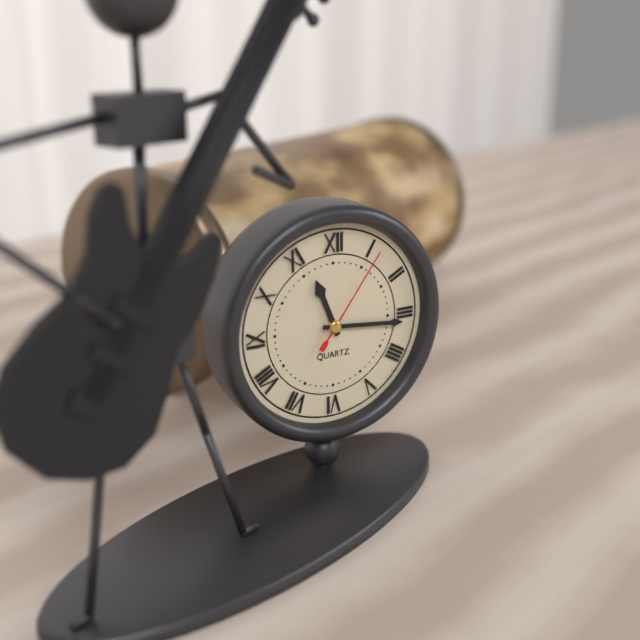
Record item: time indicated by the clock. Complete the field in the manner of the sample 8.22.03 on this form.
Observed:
11.16.06
